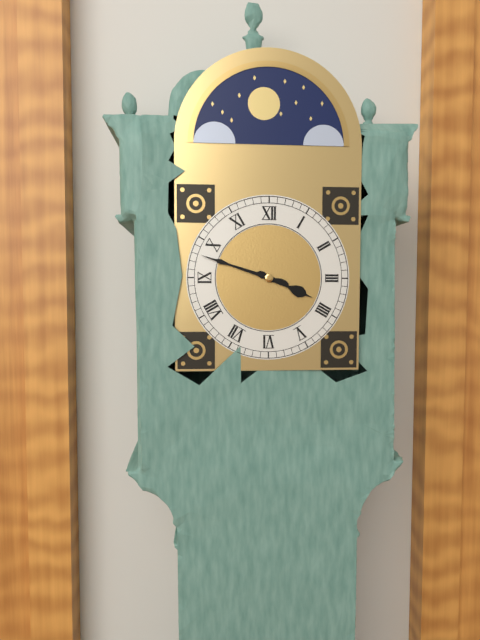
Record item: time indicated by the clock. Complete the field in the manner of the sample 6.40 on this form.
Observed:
3.48
